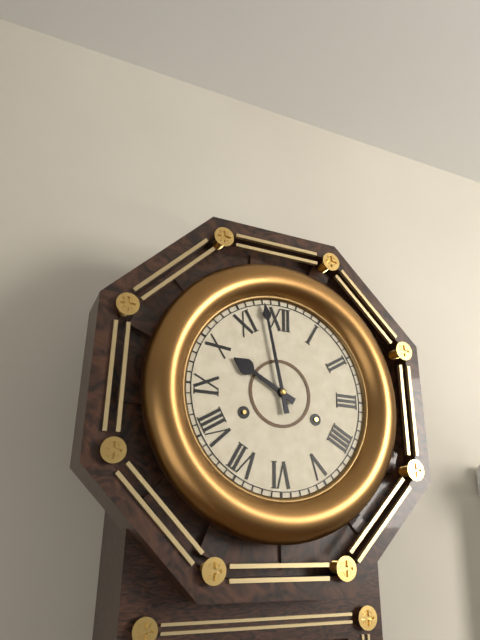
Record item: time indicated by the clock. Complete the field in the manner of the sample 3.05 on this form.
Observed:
9.58
